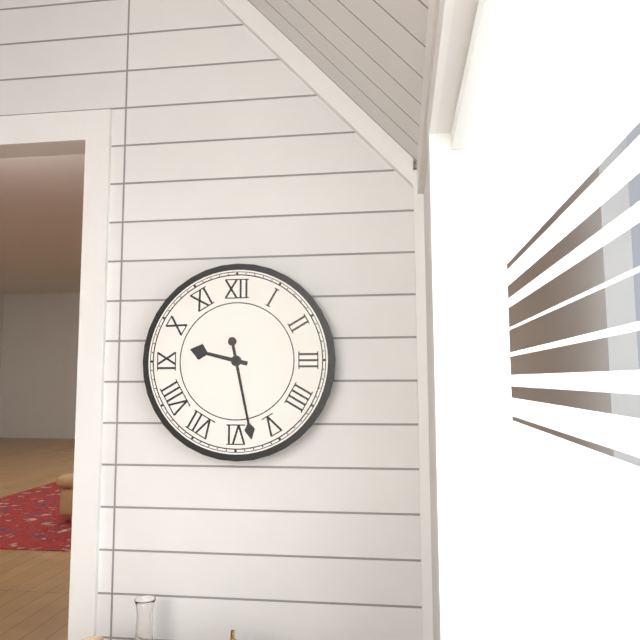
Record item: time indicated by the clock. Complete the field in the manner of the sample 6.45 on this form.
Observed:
9.28
